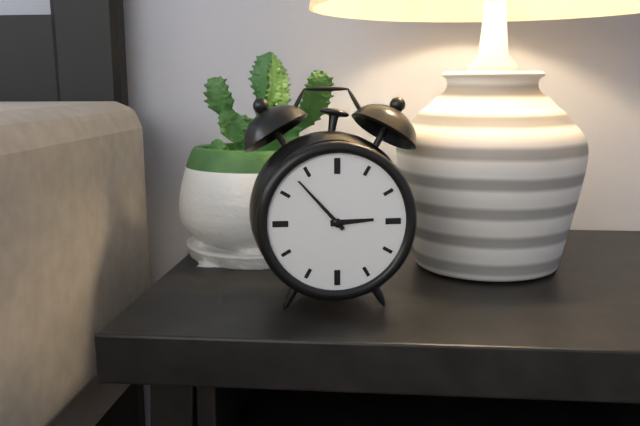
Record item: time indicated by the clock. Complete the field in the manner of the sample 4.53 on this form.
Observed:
2.53
